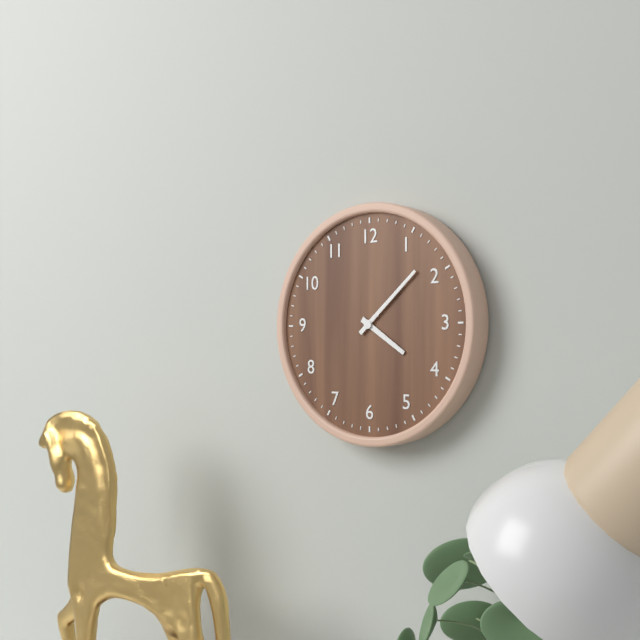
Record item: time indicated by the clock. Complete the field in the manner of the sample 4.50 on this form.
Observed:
4.08
